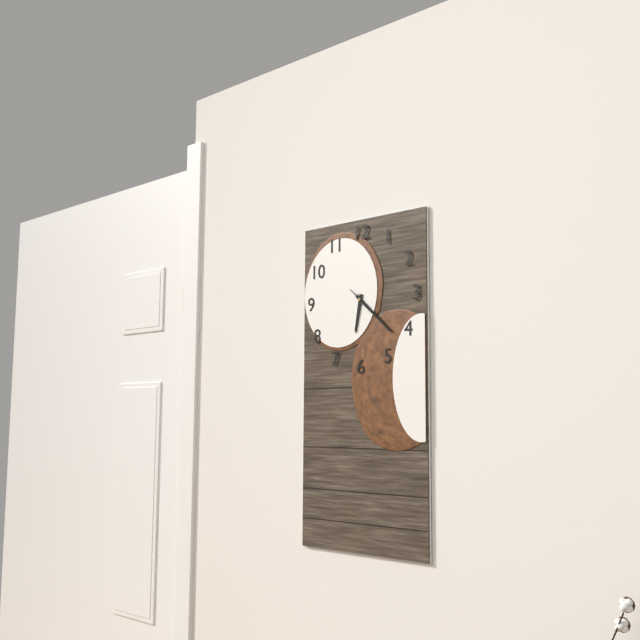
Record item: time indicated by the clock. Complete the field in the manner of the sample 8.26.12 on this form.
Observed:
6.22.22
